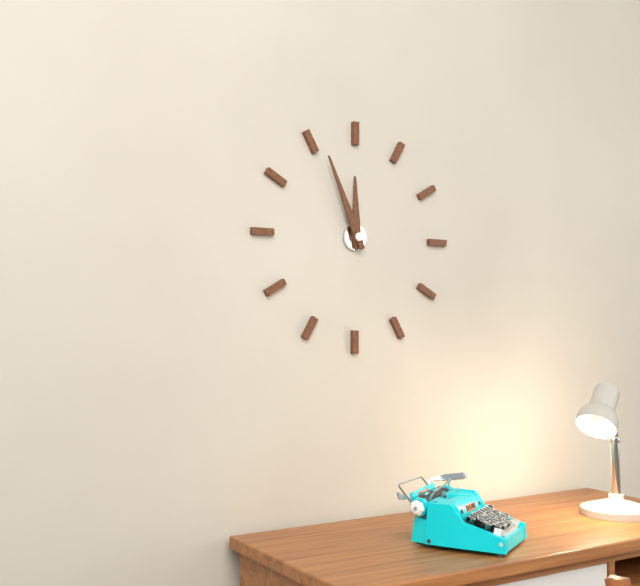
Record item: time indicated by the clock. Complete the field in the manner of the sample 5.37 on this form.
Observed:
11.56
